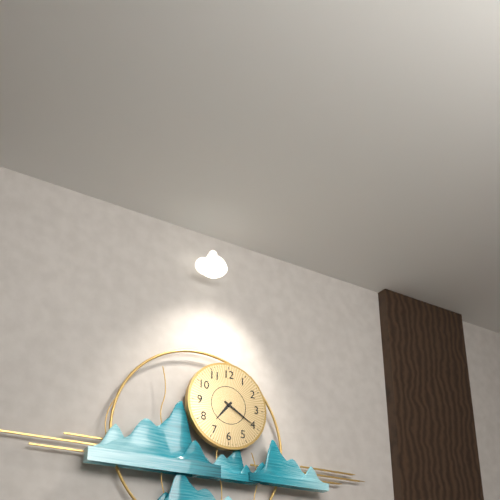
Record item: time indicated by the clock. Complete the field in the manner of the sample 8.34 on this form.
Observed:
7.20
